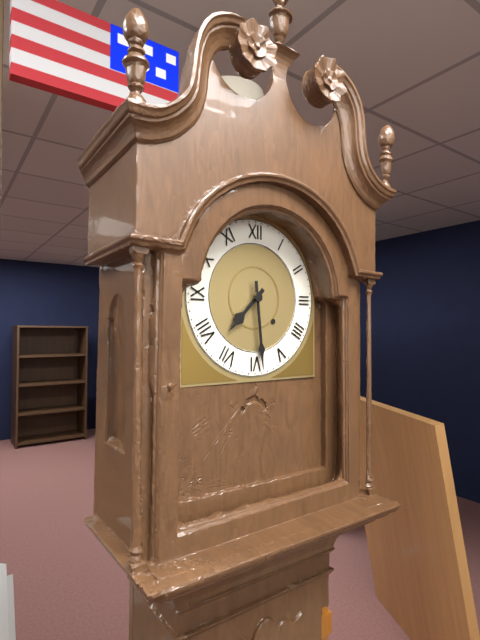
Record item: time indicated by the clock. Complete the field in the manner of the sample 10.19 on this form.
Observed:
7.29
